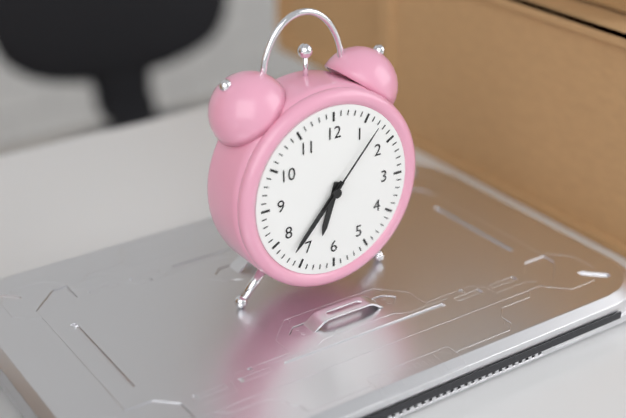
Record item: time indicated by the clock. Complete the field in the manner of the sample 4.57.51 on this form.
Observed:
6.37.07
